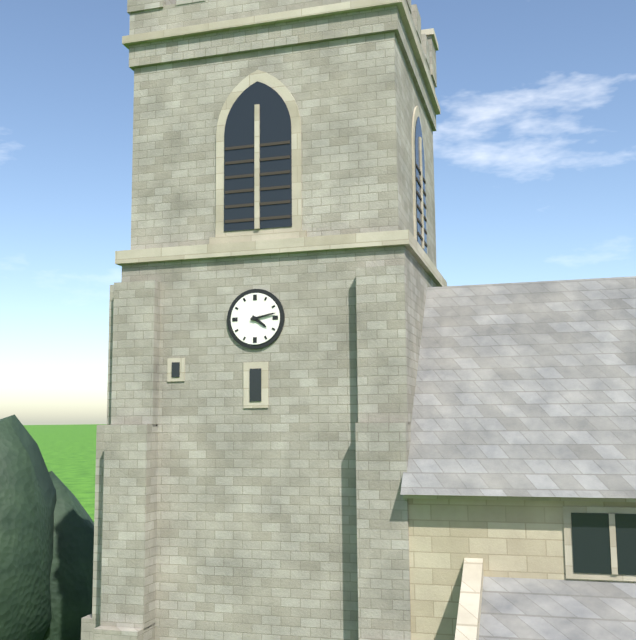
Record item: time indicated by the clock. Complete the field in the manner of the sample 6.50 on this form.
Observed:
4.13
